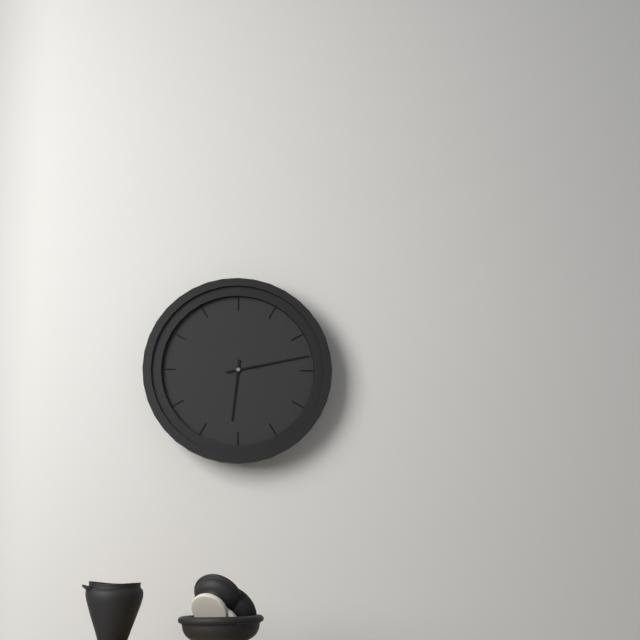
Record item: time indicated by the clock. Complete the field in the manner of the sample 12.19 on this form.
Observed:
6.13
